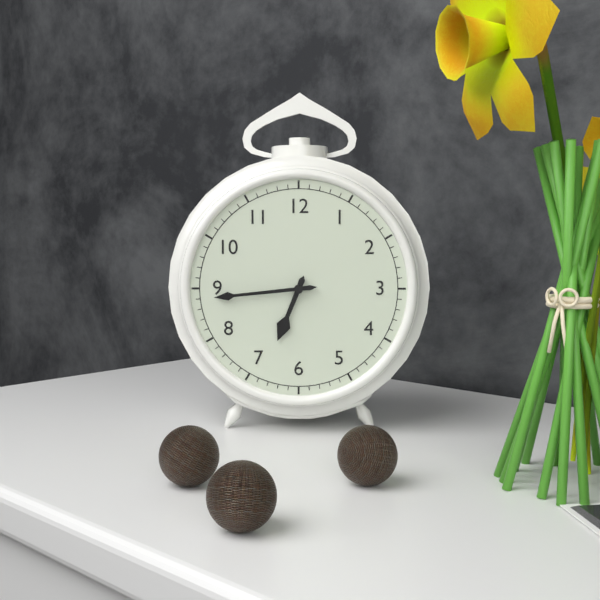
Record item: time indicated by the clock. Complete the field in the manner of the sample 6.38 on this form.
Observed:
6.44
